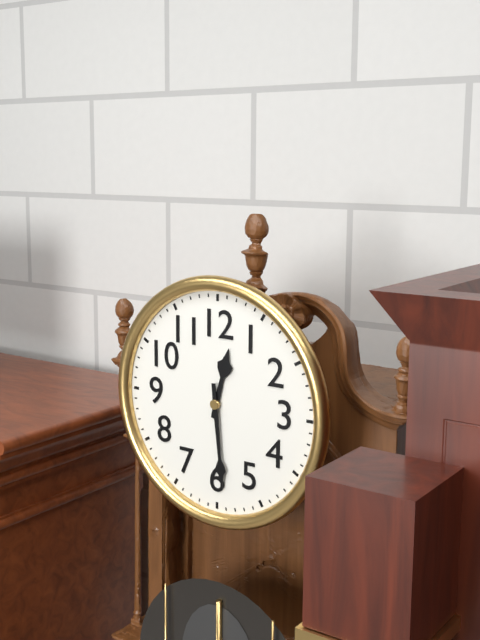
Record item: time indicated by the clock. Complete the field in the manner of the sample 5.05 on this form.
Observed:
12.29
